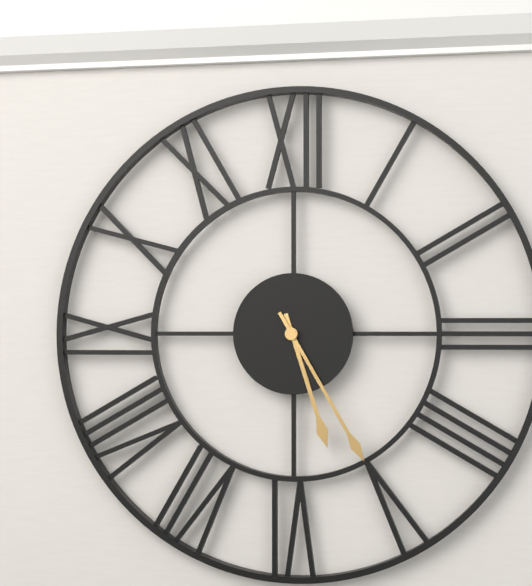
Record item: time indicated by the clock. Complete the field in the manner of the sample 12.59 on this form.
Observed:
5.25
